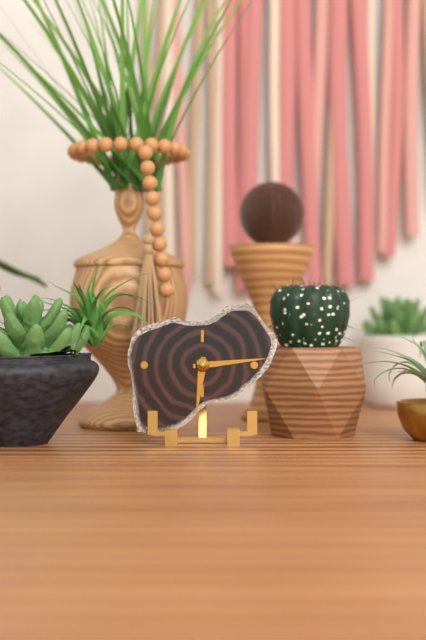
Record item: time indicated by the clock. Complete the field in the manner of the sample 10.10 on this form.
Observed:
6.14
